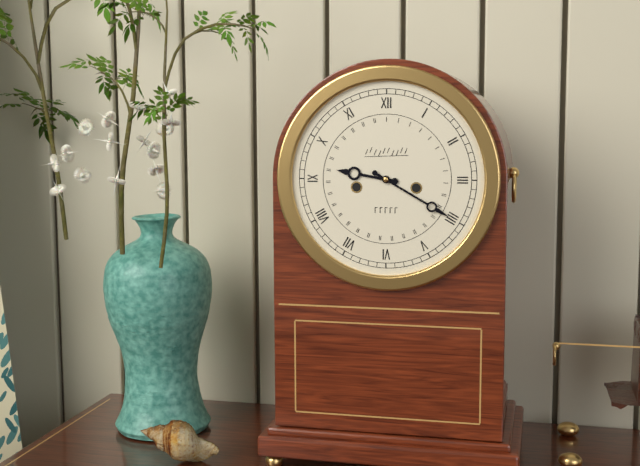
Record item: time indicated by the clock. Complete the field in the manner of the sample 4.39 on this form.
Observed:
9.20
